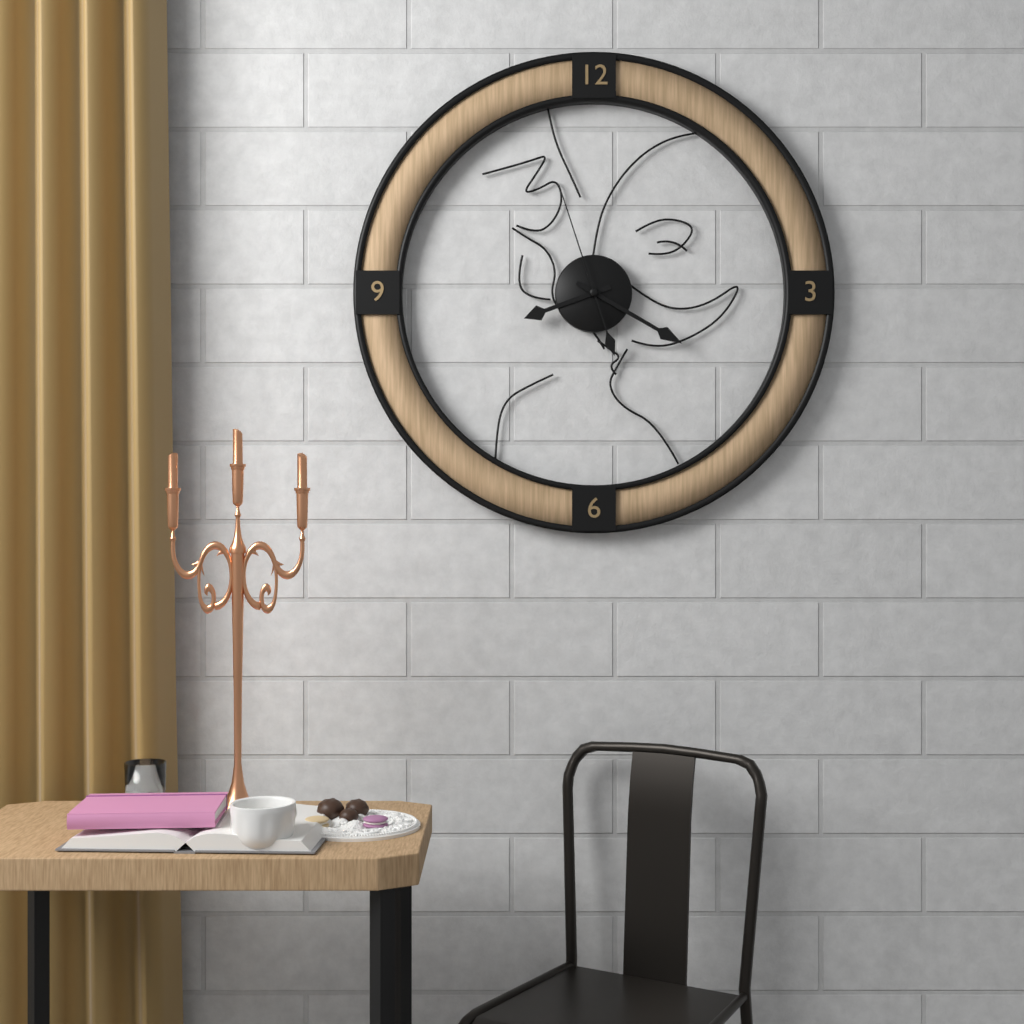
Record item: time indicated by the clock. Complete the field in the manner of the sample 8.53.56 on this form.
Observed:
8.20.57
